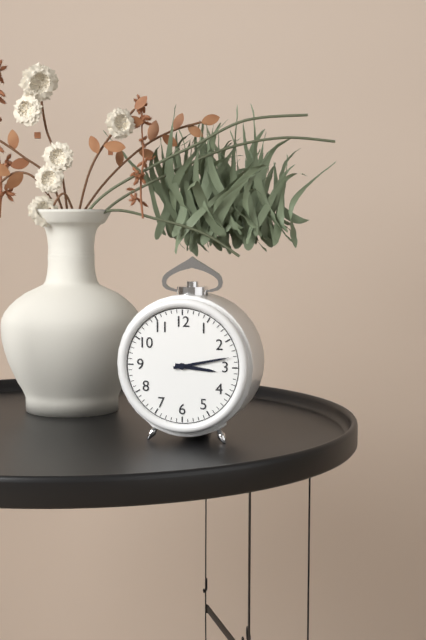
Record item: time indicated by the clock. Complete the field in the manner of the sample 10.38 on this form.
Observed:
3.13
